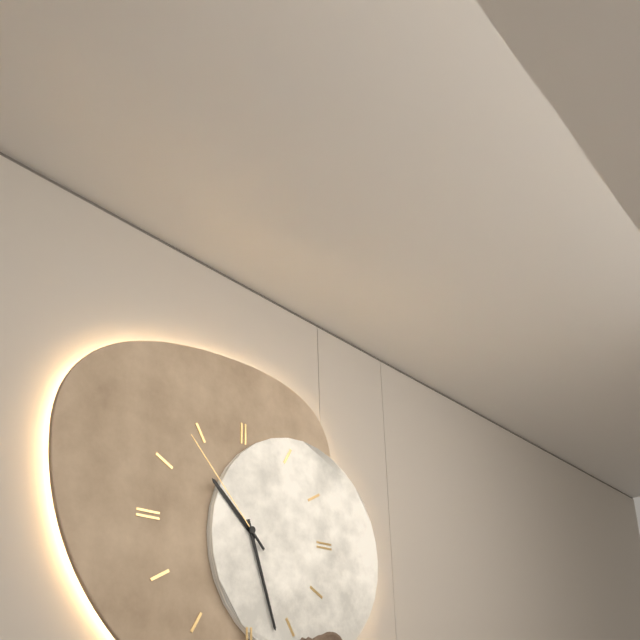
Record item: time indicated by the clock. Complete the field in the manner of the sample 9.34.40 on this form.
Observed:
10.27.53
